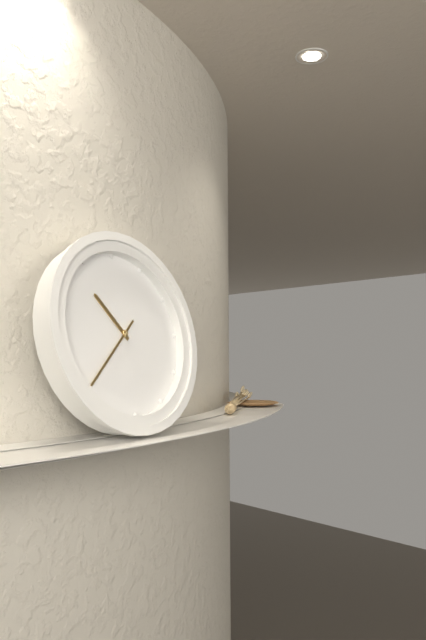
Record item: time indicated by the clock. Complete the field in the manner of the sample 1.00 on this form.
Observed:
10.38
